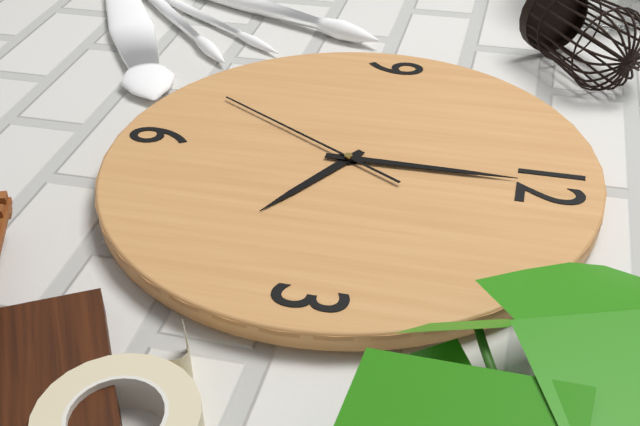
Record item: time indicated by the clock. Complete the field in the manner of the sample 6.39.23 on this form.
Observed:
4.00.35
